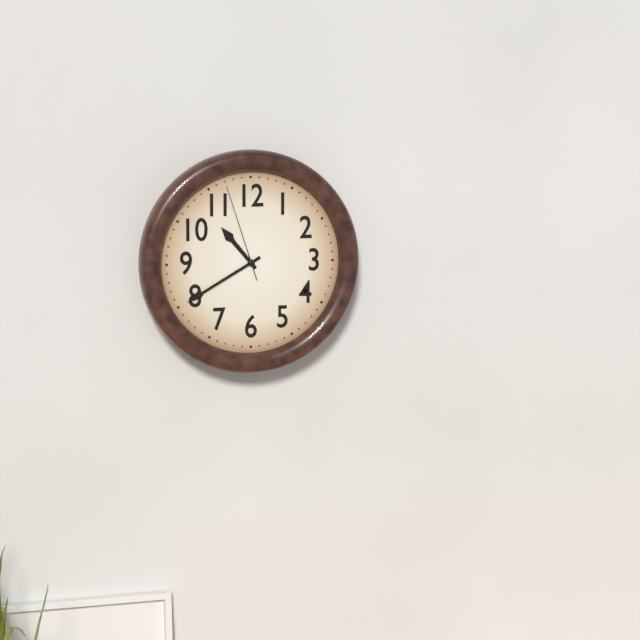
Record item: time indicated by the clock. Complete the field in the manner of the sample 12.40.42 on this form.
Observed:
10.40.57
